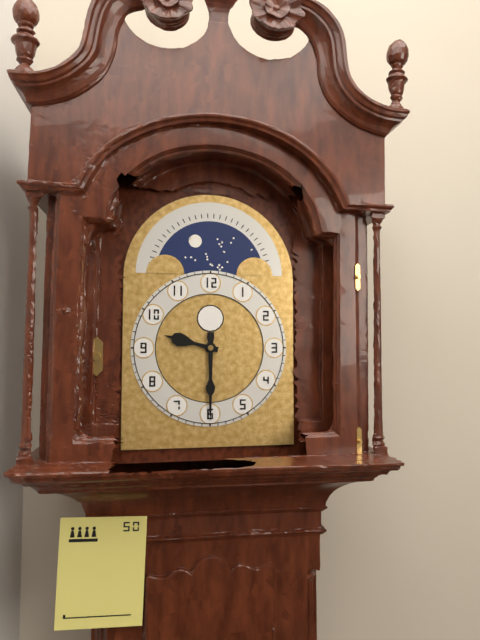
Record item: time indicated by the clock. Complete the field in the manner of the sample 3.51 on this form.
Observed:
9.30
